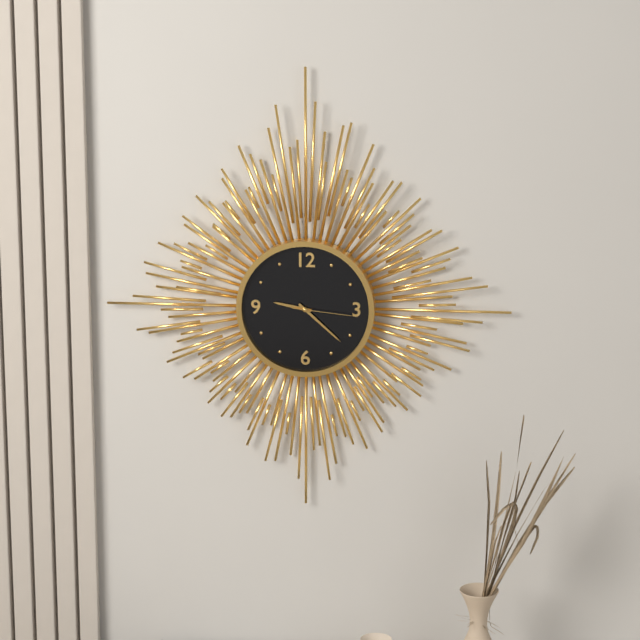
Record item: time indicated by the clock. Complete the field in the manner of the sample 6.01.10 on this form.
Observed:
9.22.16
